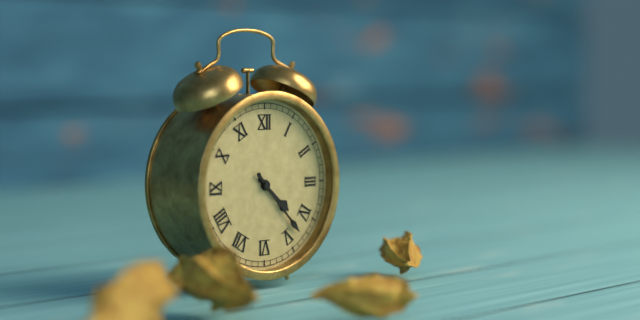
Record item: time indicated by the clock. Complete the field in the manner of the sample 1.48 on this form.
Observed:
4.23
